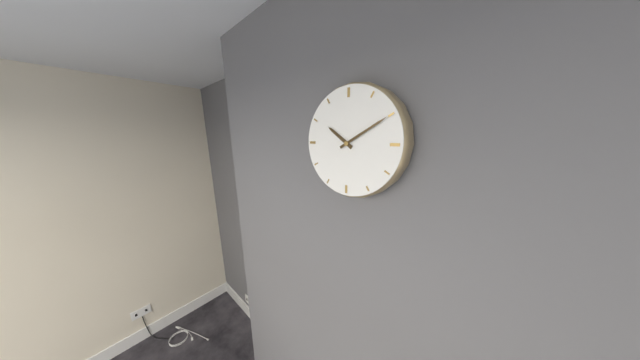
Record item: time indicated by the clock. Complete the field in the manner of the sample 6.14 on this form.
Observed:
10.10
